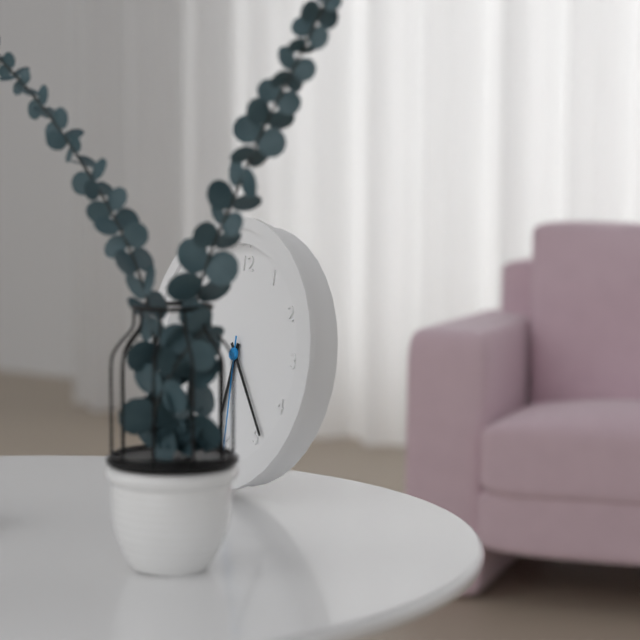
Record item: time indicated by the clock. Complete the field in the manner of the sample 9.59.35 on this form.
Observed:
6.24.30
